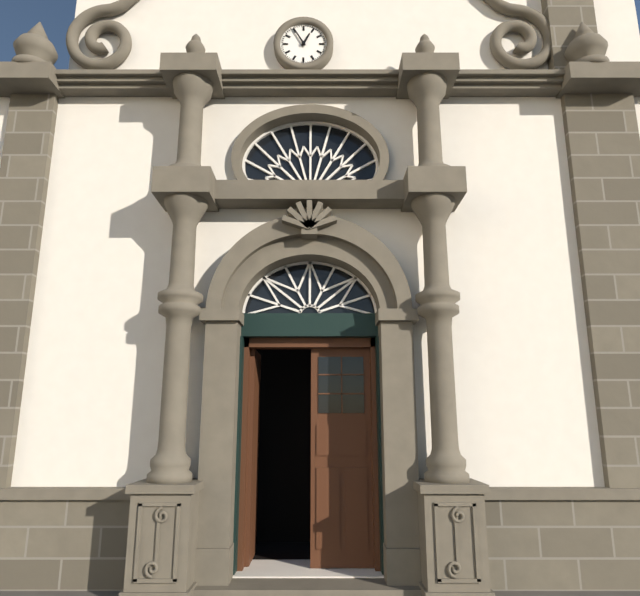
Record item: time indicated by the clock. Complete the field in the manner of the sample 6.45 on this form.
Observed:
12.55
